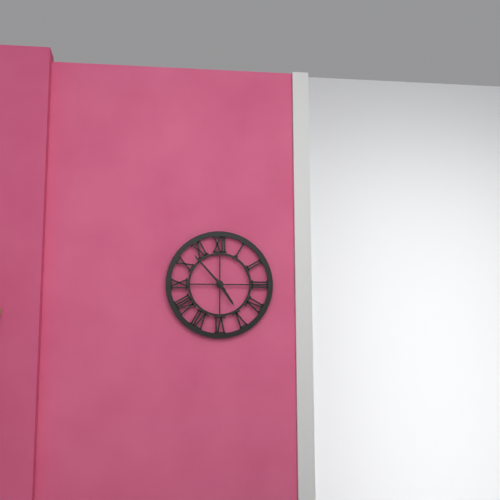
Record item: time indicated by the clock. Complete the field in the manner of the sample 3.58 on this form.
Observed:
4.53
